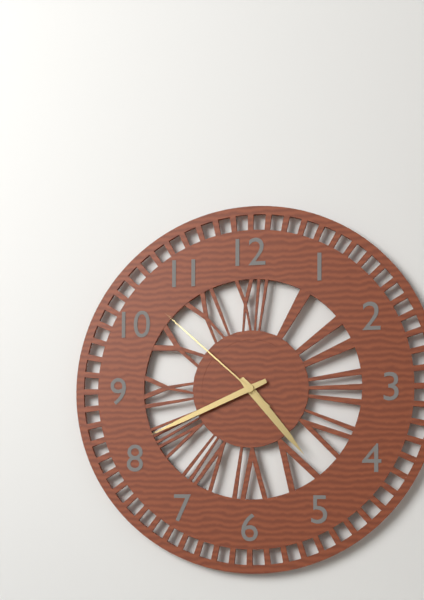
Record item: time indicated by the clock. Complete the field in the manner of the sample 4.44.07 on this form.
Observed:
4.41.52
